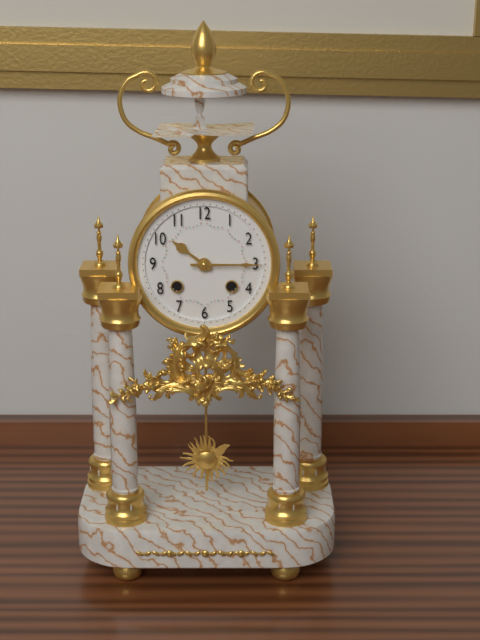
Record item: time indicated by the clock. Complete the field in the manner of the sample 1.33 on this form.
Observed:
10.15
